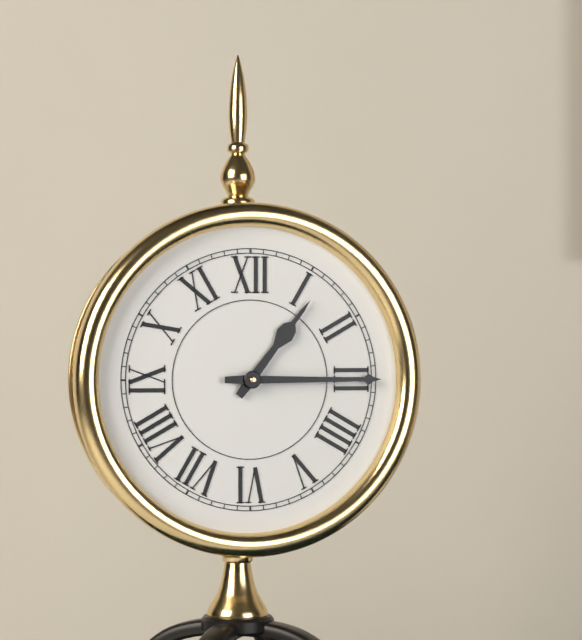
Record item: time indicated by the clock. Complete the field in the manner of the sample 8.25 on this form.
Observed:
1.15
